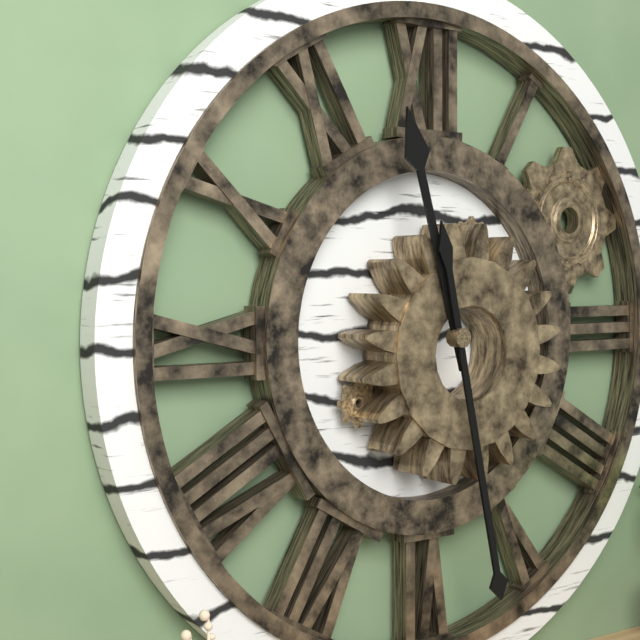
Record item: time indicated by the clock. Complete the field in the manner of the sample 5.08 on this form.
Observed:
11.28
